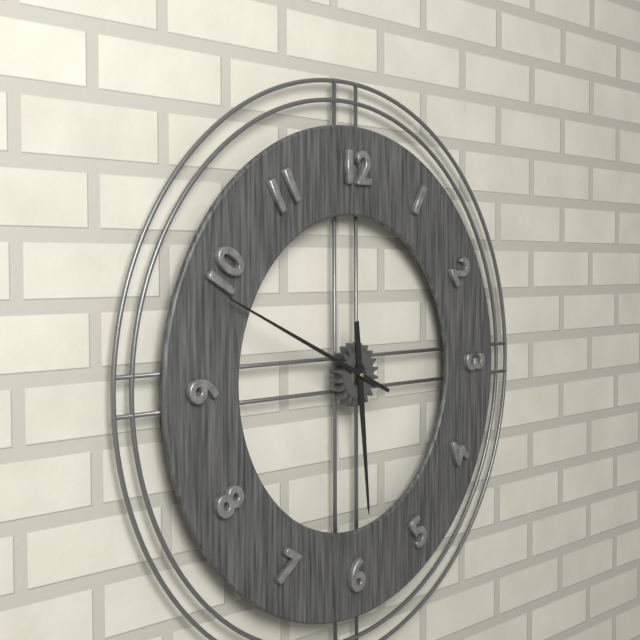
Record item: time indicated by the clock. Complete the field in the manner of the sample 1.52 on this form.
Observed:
5.49
